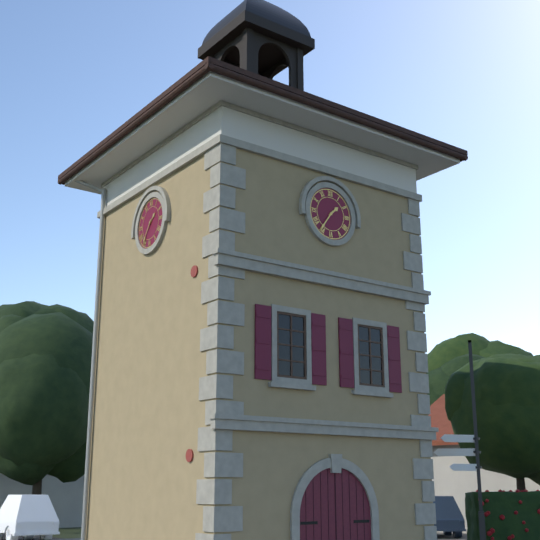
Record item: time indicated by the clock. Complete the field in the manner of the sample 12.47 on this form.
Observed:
1.36
